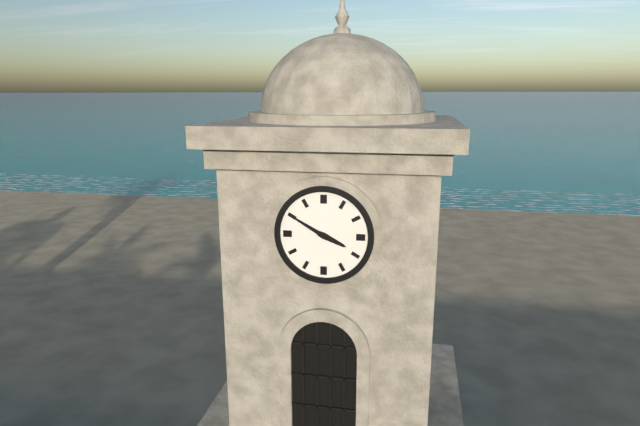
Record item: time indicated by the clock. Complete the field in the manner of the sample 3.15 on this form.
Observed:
3.50
